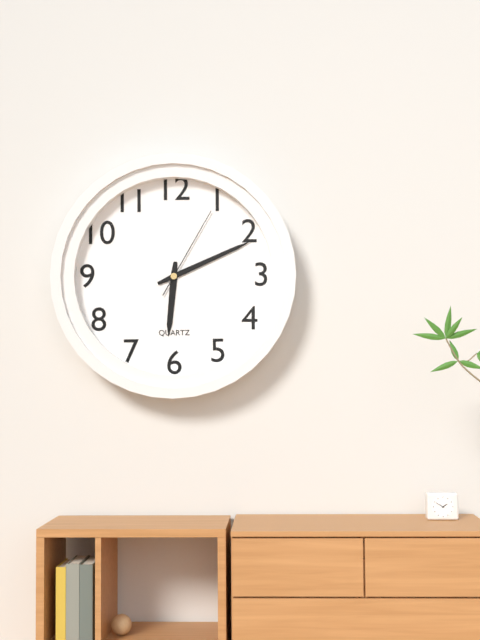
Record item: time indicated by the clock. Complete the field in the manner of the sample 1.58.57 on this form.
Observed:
6.11.05
